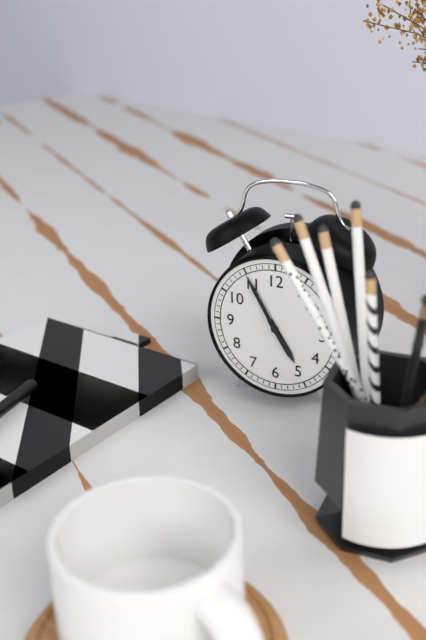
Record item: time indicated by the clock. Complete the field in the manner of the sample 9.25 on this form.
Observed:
4.55
